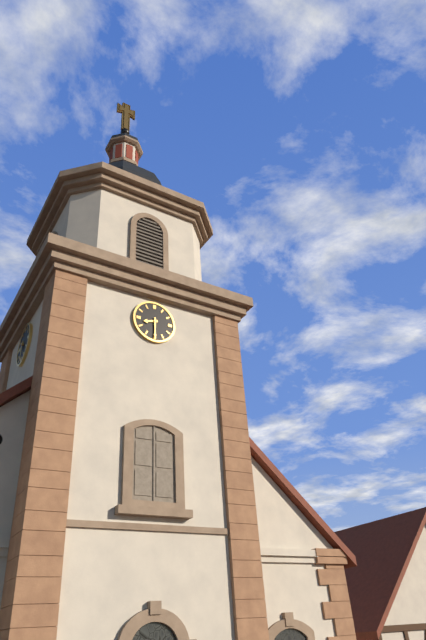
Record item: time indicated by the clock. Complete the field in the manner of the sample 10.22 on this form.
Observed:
8.30
